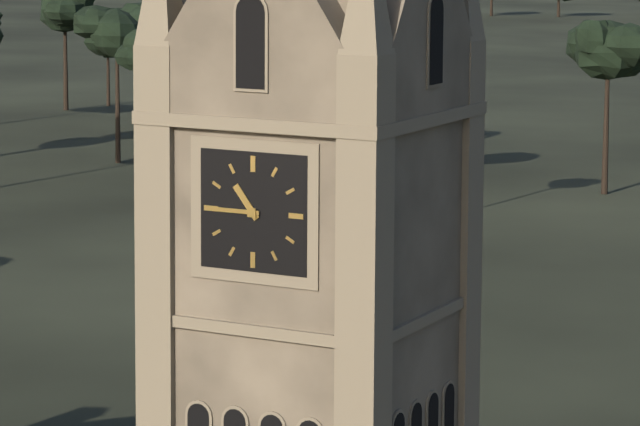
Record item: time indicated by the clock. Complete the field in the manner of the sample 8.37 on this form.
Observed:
10.45
